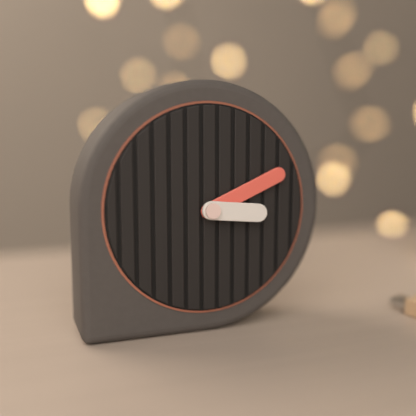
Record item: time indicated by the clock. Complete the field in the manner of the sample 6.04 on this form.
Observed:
3.11
